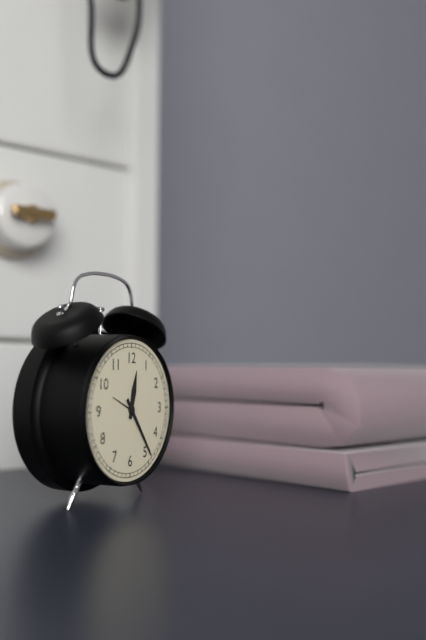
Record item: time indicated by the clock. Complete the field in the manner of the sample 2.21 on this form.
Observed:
12.24
